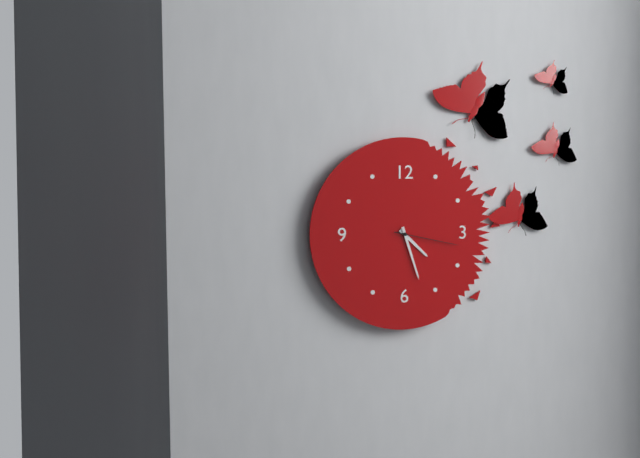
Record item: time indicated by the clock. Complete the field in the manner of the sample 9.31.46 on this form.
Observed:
4.27.17
